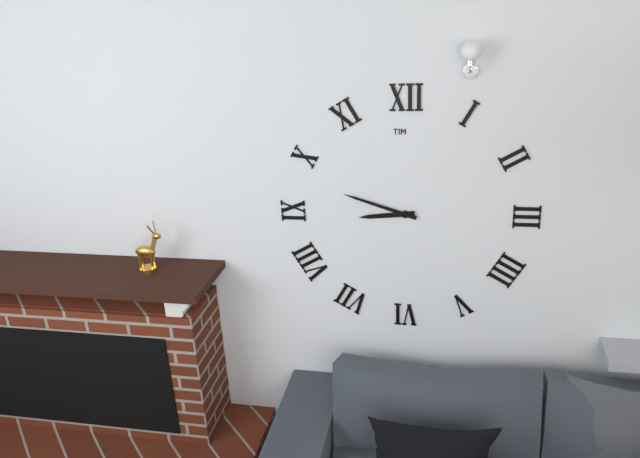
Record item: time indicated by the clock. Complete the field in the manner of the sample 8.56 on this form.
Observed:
8.48
